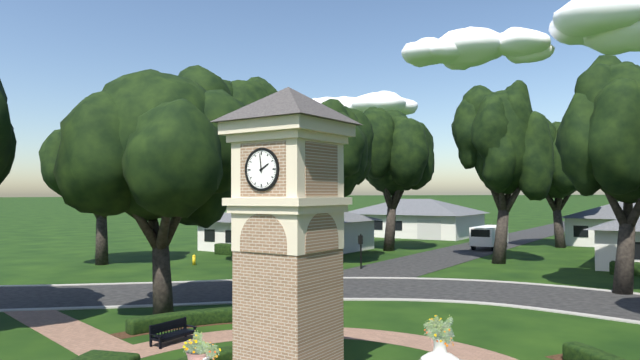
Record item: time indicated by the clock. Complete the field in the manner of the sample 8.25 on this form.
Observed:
1.59
